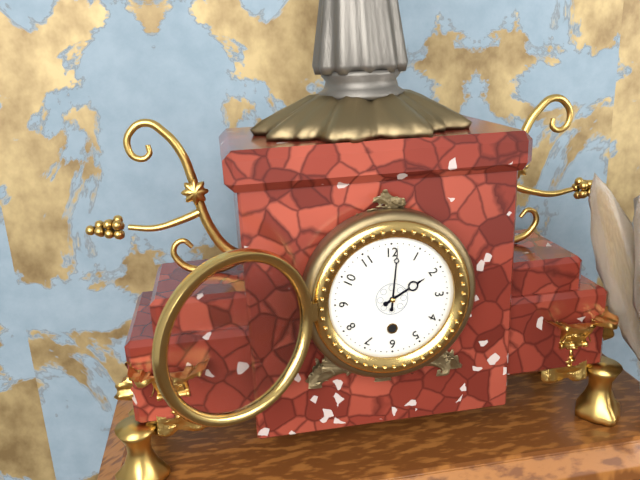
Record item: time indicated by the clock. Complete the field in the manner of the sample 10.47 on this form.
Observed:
2.01
